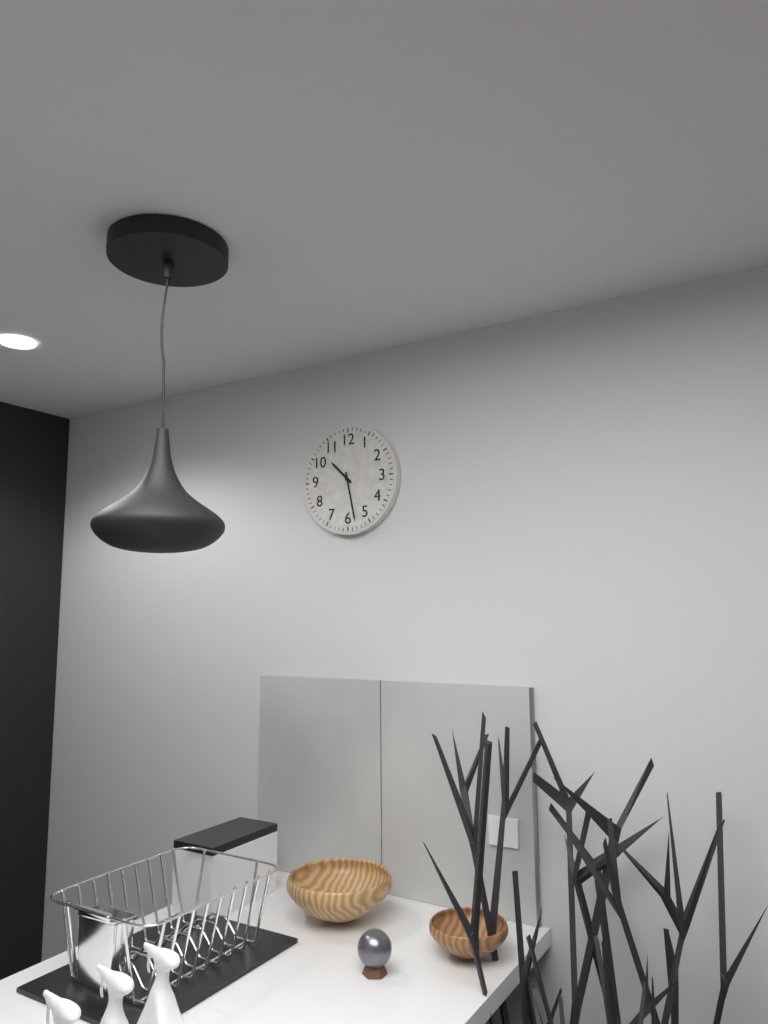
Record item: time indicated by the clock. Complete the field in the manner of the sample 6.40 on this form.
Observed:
10.28
